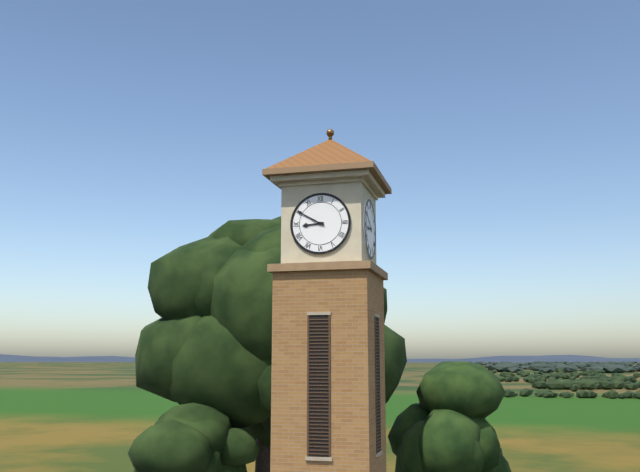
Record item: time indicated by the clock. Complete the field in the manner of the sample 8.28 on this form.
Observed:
8.50
